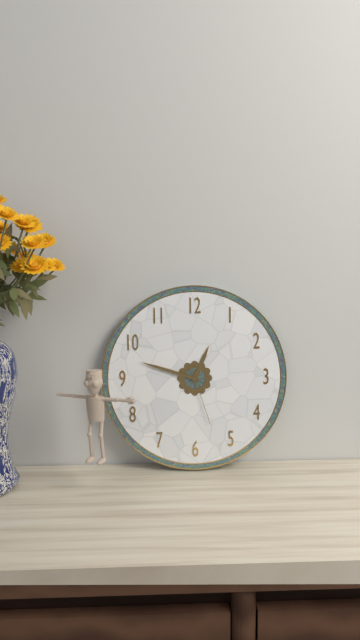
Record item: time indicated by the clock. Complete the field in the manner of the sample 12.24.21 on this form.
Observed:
12.48.27
